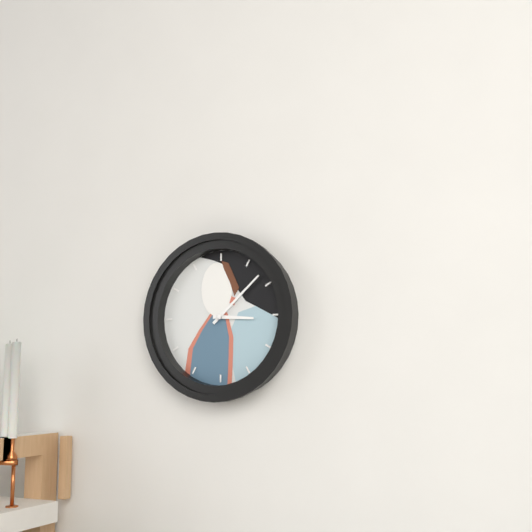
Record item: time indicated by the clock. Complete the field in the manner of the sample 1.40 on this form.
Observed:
3.08
